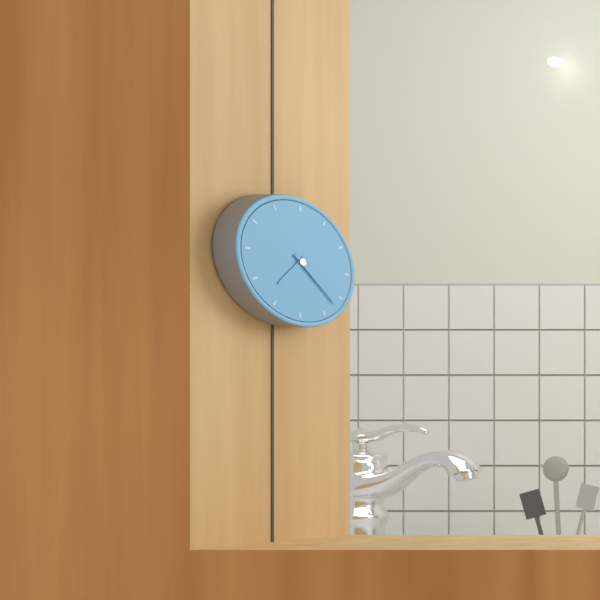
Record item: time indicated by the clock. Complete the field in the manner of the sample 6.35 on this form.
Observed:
7.22
